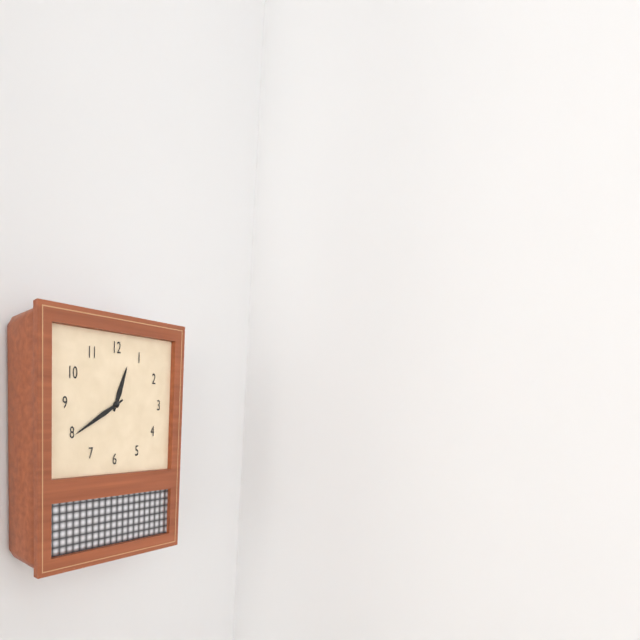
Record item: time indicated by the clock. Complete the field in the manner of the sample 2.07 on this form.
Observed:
12.40
